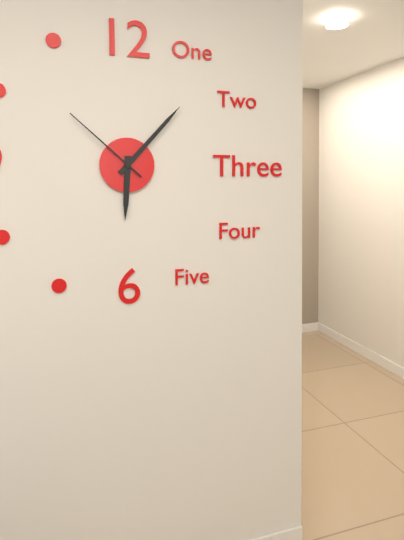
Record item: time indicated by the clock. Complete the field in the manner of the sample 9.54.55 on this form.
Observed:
6.07.52
